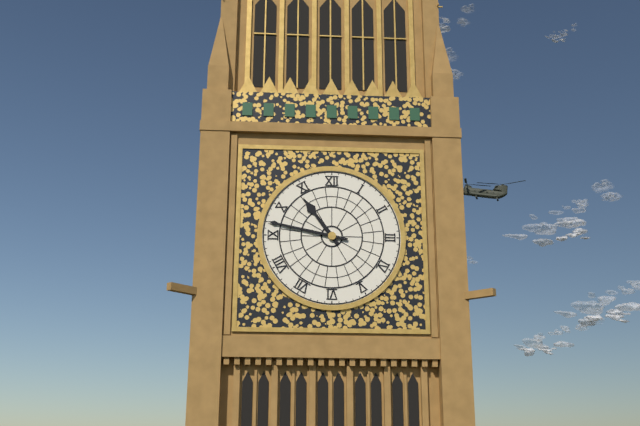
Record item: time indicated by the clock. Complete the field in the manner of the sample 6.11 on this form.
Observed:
10.47
